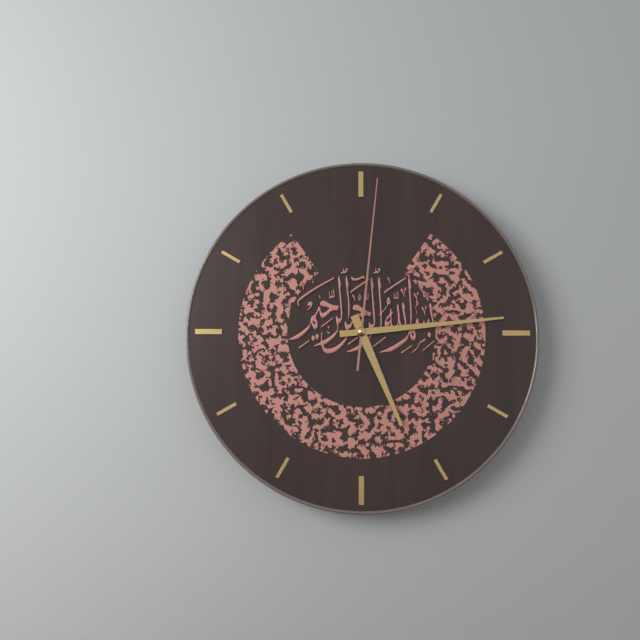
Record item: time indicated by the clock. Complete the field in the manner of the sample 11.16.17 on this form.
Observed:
5.14.01
